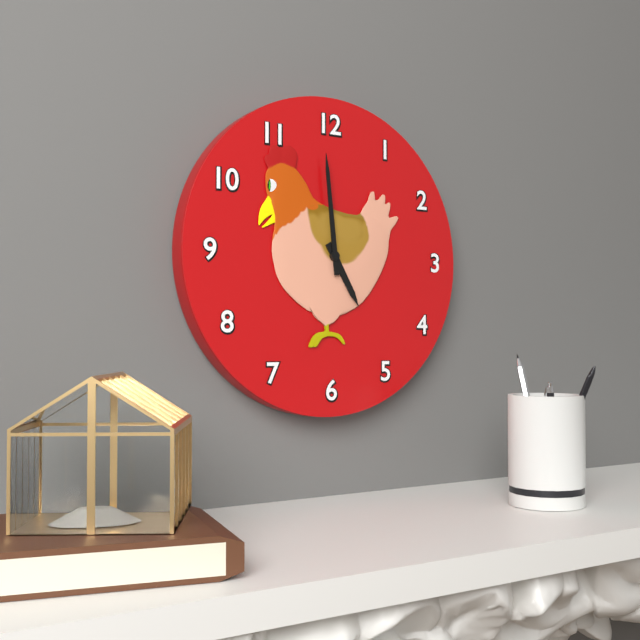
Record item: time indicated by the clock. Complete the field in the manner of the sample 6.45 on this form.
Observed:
4.59
